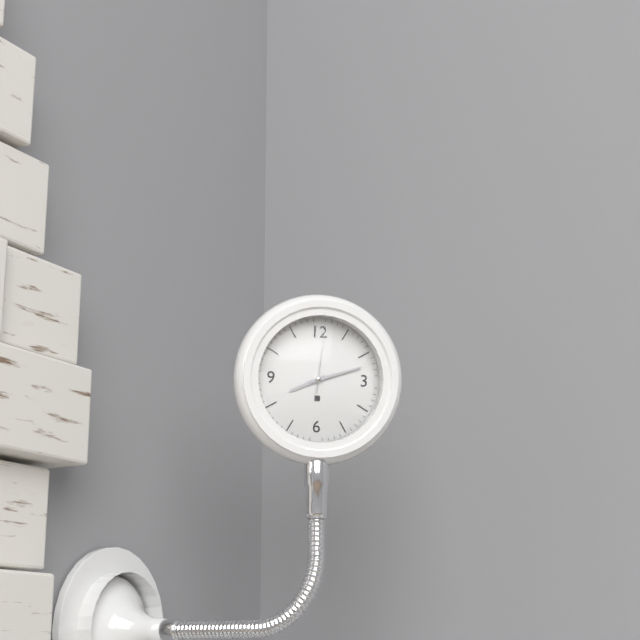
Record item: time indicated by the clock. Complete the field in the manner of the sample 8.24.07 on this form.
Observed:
8.12.01
